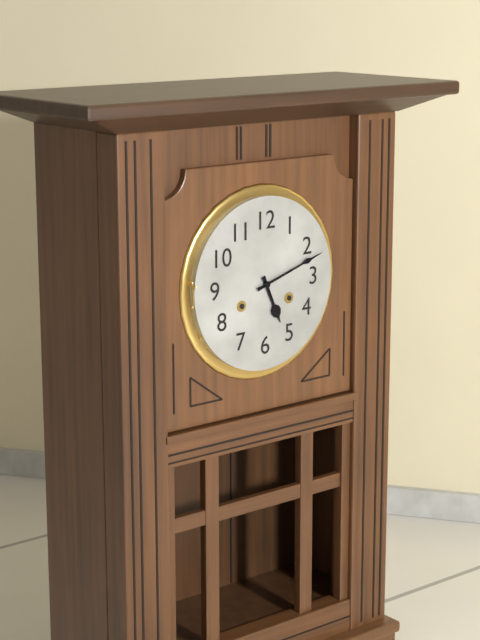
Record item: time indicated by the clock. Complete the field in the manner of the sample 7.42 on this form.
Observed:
5.12
